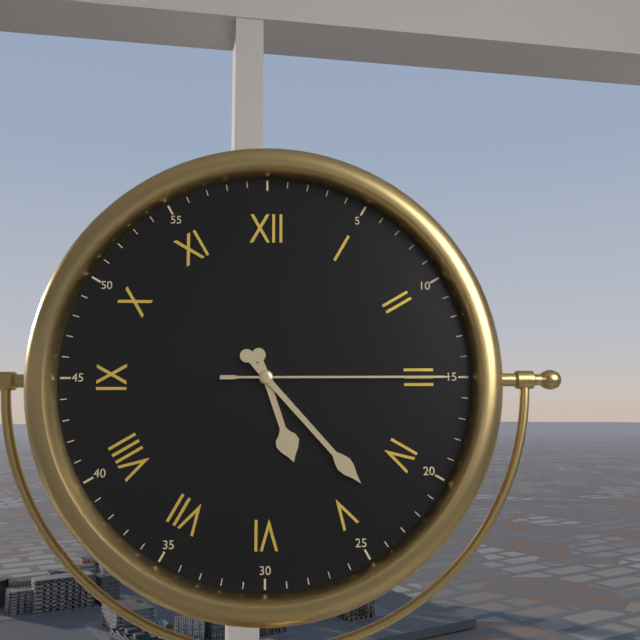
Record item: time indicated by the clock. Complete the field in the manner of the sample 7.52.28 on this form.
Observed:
5.23.15
